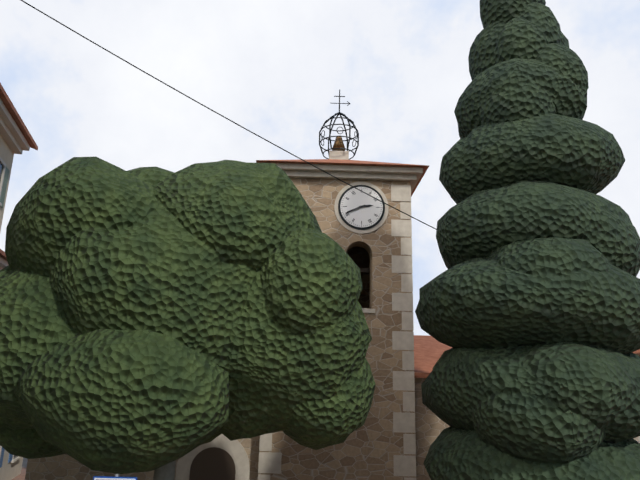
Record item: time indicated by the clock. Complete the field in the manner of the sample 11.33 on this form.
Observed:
2.41
